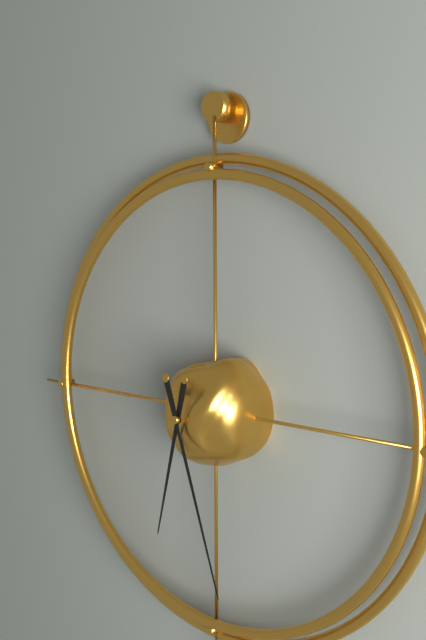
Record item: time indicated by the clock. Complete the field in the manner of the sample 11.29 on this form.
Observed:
6.27
